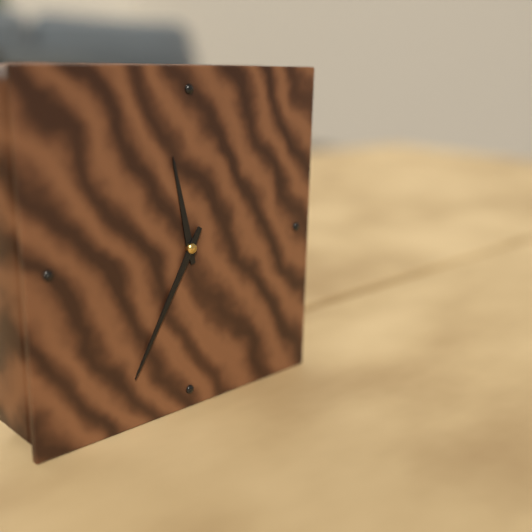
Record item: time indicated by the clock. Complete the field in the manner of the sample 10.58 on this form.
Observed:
11.35
